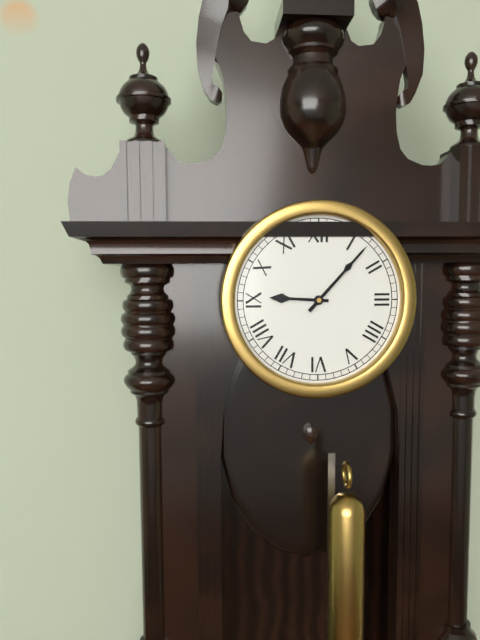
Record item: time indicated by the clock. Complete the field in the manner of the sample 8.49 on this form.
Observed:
9.07
